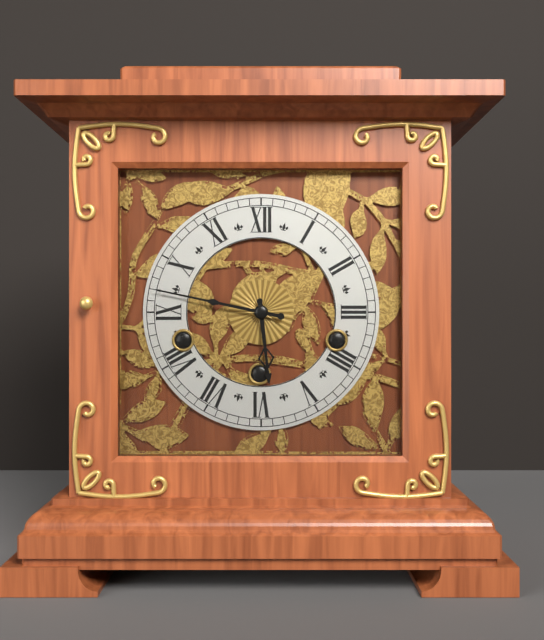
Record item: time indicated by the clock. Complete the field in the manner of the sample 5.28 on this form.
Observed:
5.47
